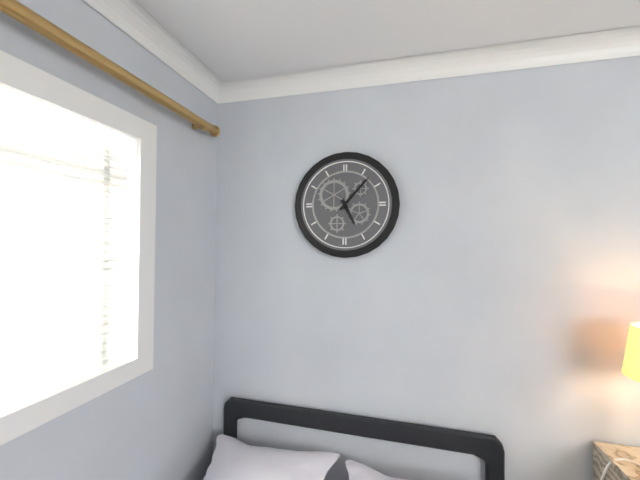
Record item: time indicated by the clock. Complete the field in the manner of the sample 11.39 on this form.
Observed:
5.07
